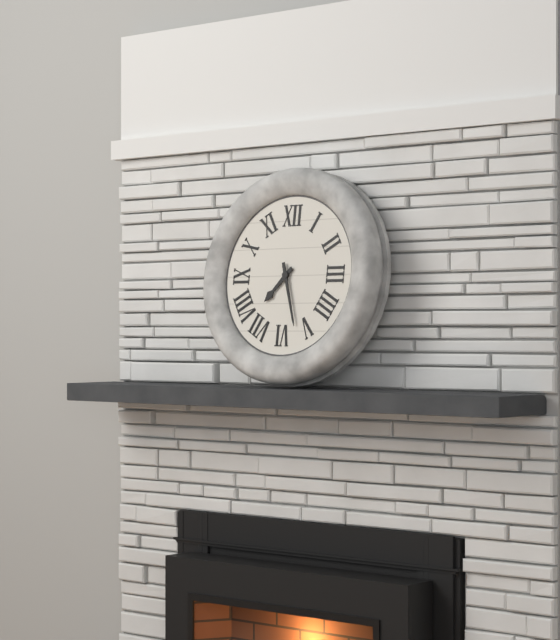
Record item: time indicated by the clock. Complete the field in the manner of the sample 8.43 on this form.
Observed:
7.27
